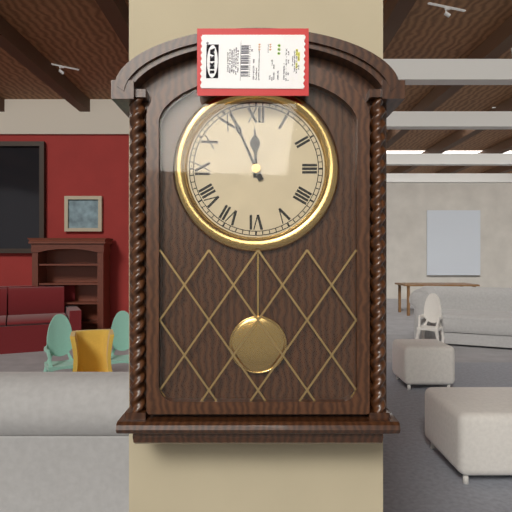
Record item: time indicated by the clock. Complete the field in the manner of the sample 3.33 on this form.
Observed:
11.56
